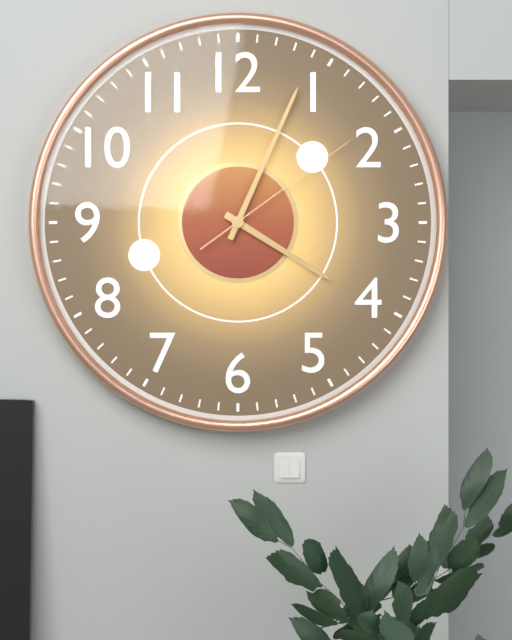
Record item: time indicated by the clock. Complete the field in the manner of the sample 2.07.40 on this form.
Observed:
4.04.09
